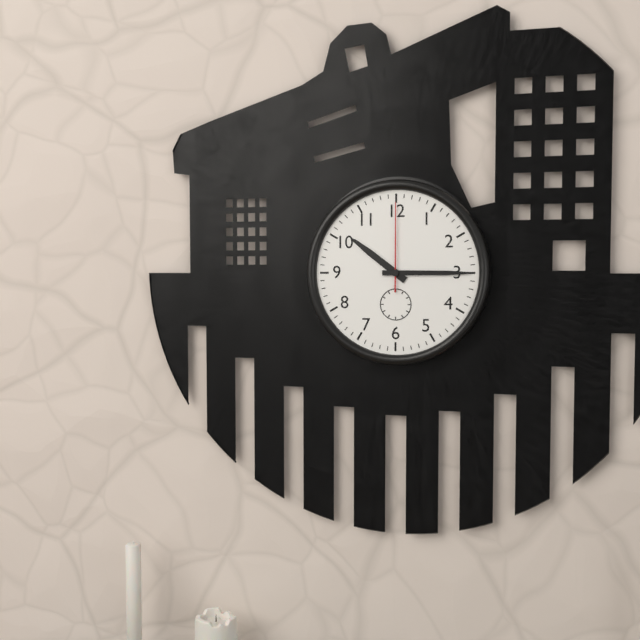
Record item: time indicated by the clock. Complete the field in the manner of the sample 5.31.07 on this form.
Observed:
10.15.00
